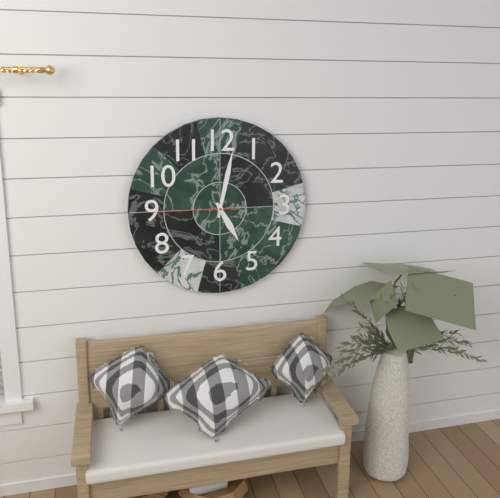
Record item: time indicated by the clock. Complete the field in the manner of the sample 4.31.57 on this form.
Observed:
5.02.45
